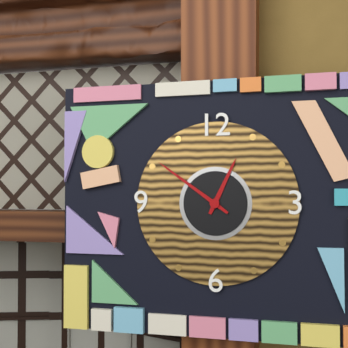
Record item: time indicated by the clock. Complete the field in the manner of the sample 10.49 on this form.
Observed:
12.51
